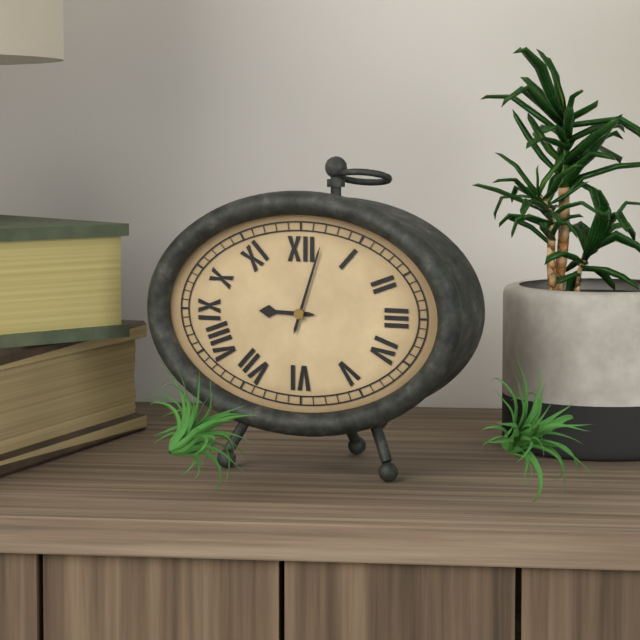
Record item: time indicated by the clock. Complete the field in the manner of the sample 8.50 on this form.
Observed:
9.03
